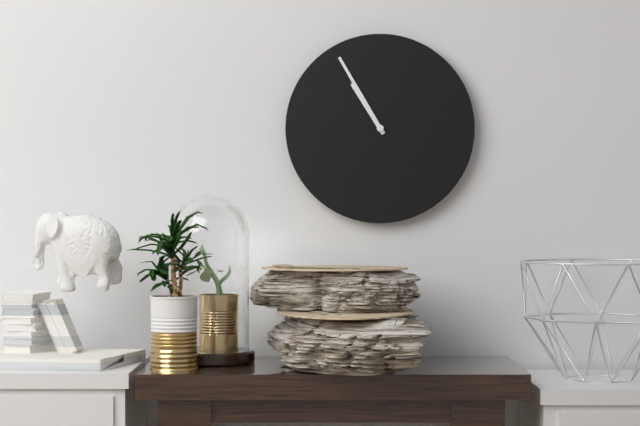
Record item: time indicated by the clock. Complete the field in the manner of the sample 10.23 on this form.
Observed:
10.55
